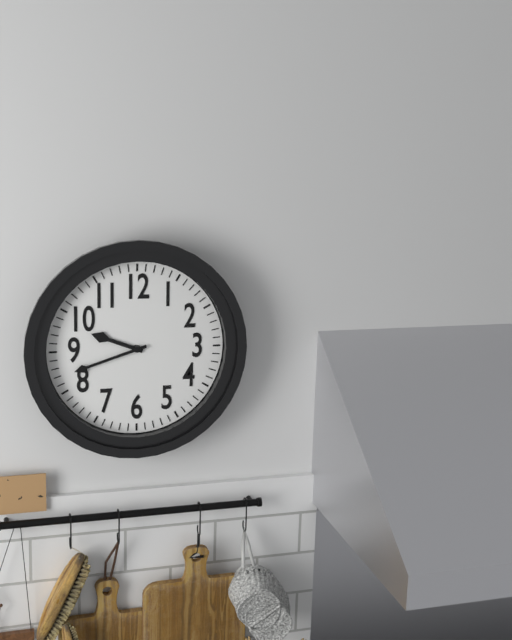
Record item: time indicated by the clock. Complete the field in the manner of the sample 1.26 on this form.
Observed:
9.42
